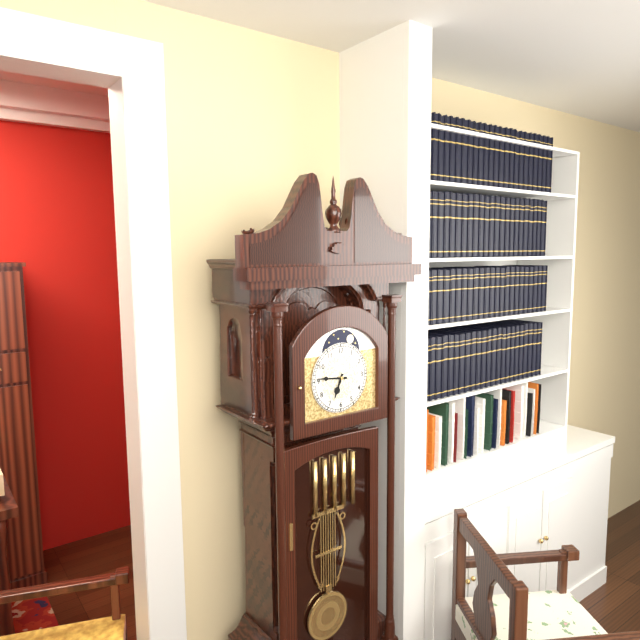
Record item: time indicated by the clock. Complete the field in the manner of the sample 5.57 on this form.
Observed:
6.46
